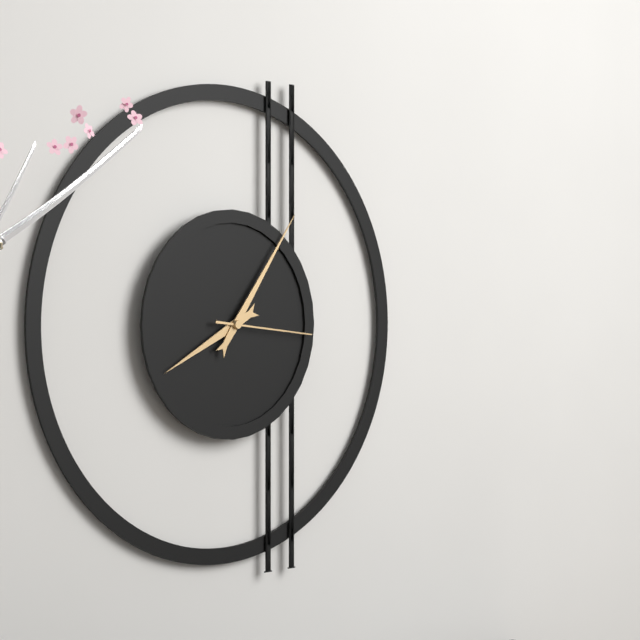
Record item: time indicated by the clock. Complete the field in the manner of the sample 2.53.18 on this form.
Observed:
8.06.16
